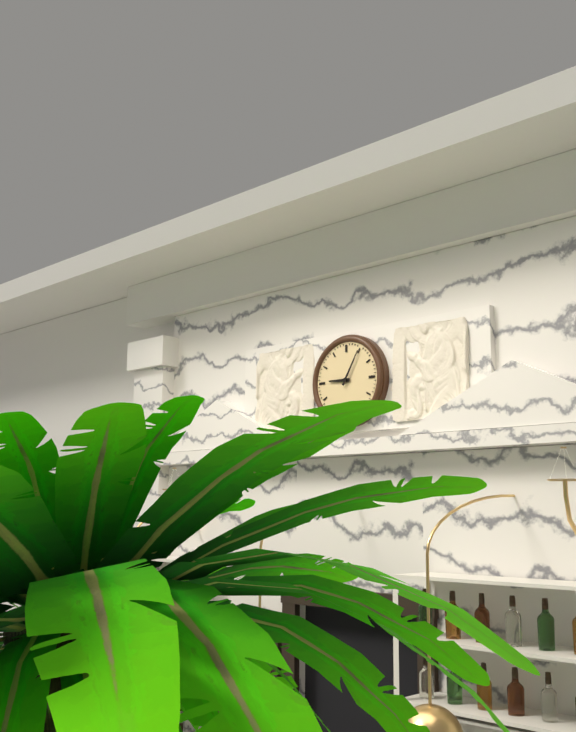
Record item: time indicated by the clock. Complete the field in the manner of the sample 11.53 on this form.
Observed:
9.05
